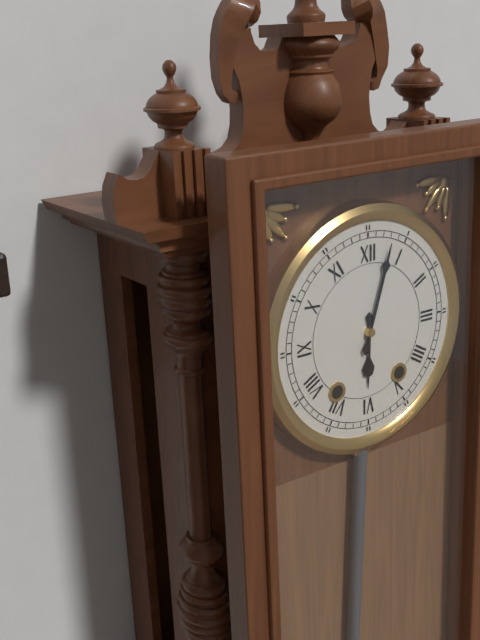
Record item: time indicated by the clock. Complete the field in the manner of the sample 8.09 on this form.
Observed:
6.03
